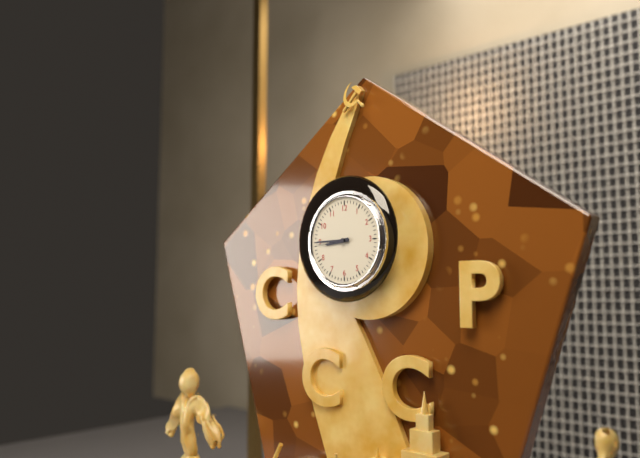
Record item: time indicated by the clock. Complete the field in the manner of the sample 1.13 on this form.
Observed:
8.45
